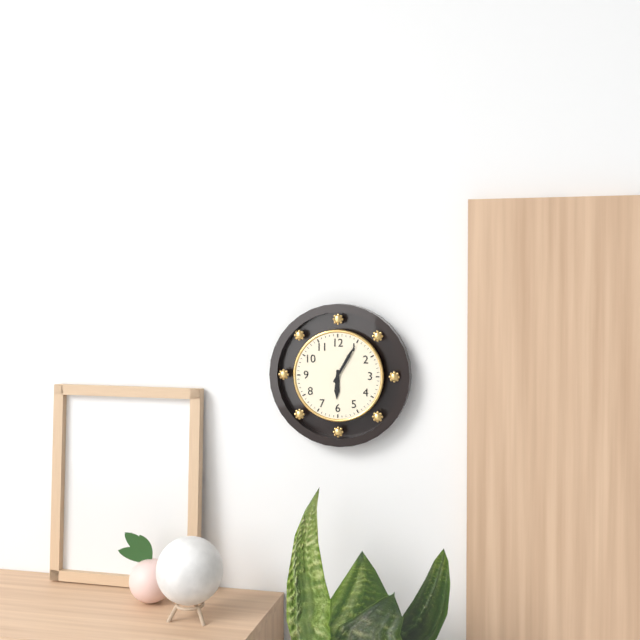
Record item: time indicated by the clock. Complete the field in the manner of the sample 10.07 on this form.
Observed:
6.05
